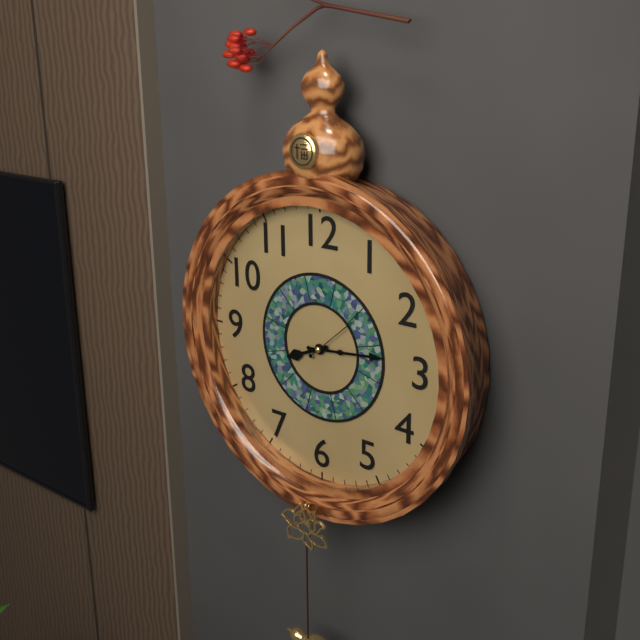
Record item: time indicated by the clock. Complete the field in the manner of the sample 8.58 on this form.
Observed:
8.14
